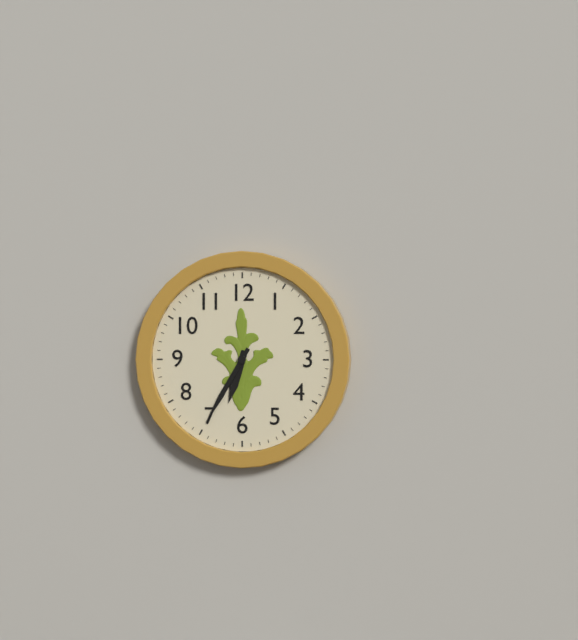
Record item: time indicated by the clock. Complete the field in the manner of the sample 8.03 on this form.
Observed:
6.35
